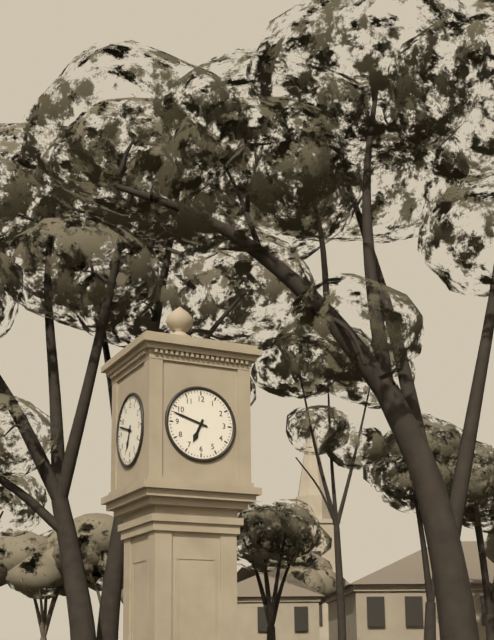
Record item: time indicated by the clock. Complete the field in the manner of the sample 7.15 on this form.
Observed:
6.48
